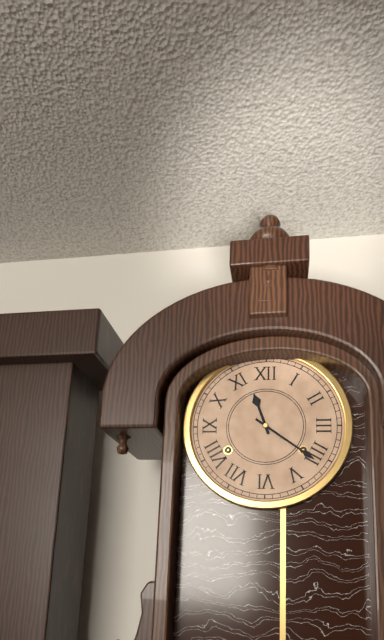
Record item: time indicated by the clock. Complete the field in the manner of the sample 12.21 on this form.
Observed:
11.21
